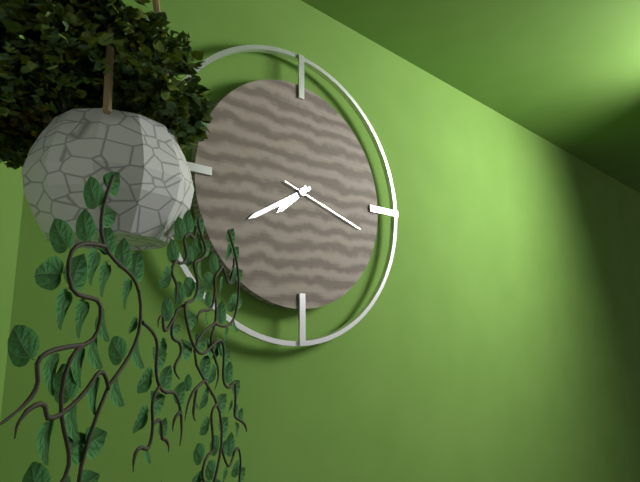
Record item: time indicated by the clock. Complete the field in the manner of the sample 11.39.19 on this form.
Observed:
7.40.18
